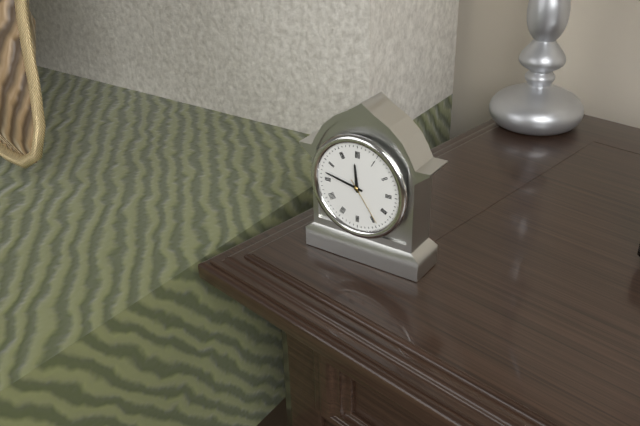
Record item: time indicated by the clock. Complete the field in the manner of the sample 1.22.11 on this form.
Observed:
11.47.24
